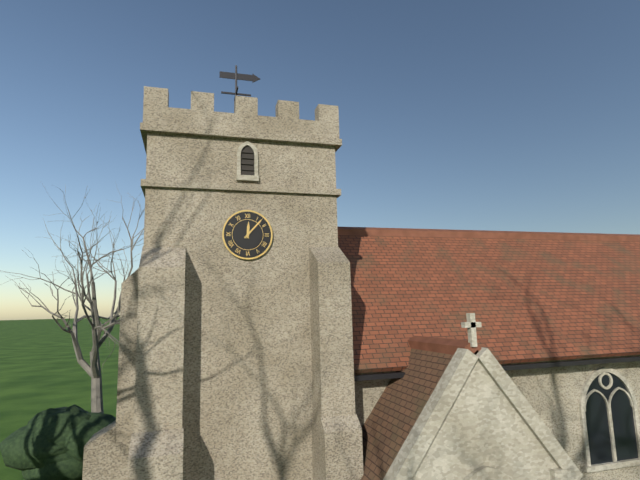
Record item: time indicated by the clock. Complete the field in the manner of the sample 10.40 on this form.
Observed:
12.07
